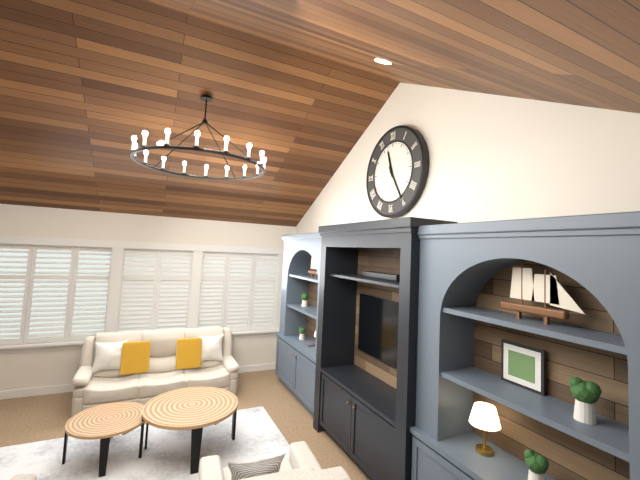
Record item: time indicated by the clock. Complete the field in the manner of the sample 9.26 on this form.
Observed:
11.25
